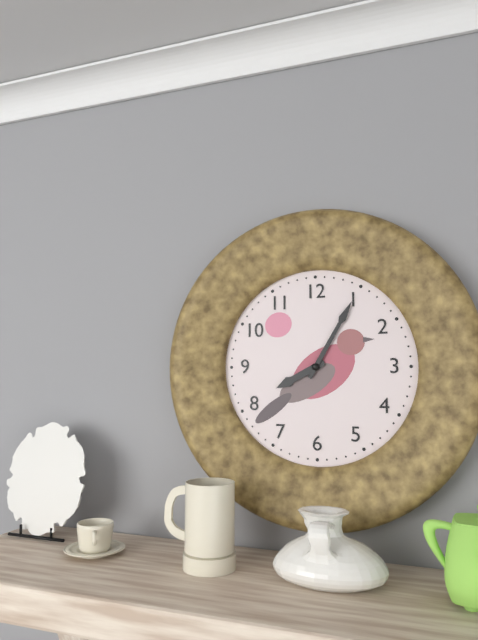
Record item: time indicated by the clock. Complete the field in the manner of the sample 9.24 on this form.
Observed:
8.05
